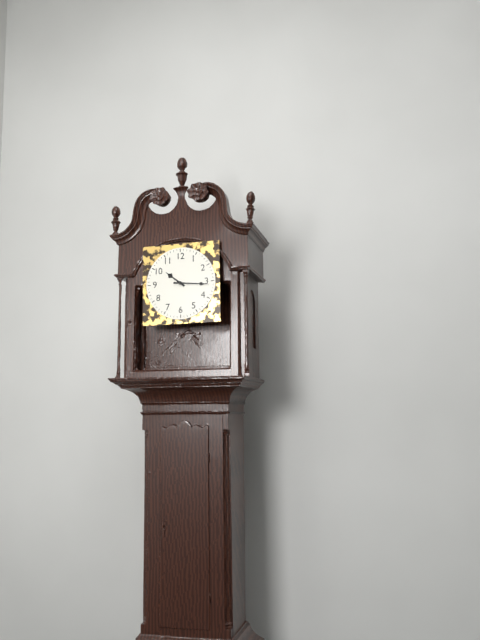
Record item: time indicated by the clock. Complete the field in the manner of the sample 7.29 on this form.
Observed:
10.16
